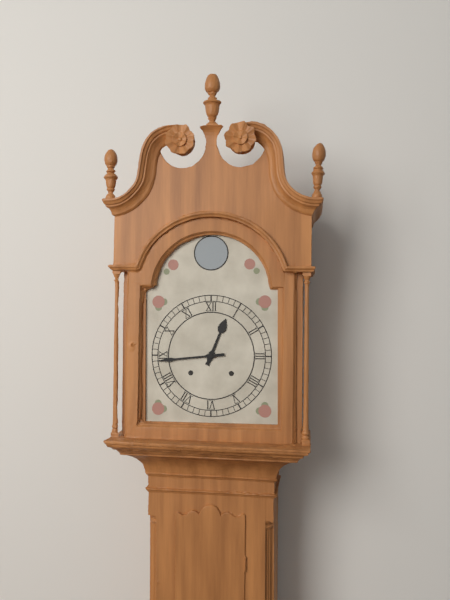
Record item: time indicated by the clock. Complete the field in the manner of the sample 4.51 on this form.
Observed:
12.44
